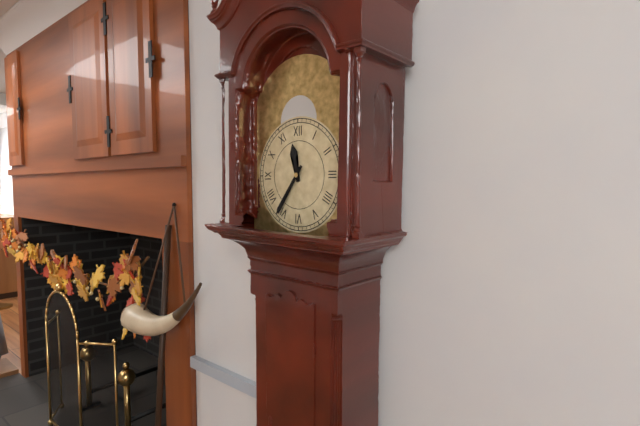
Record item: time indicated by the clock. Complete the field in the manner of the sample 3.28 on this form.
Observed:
11.36
